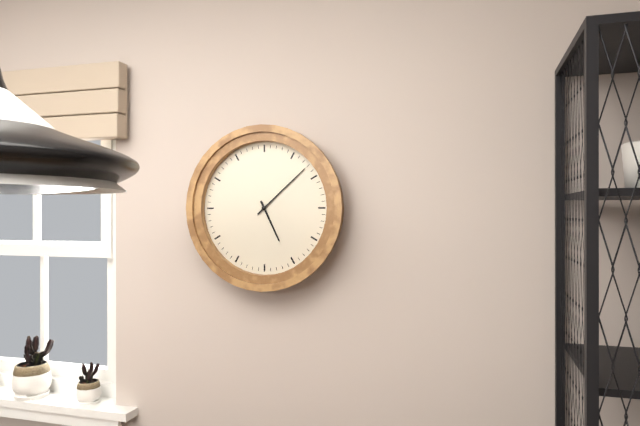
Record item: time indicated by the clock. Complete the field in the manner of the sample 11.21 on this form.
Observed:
5.08
